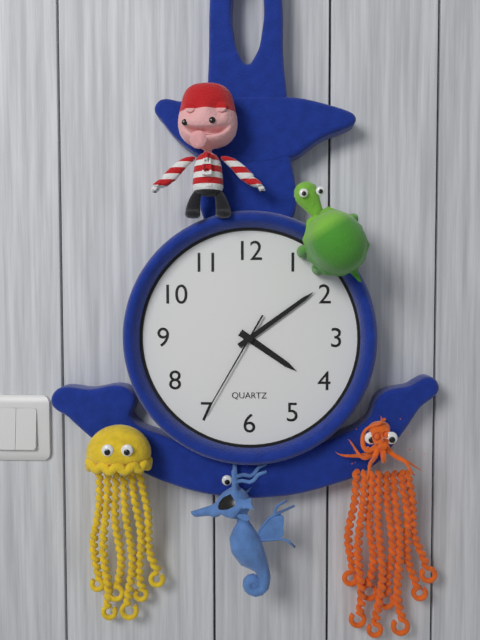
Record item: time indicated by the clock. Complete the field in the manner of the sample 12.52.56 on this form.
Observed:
4.09.35
